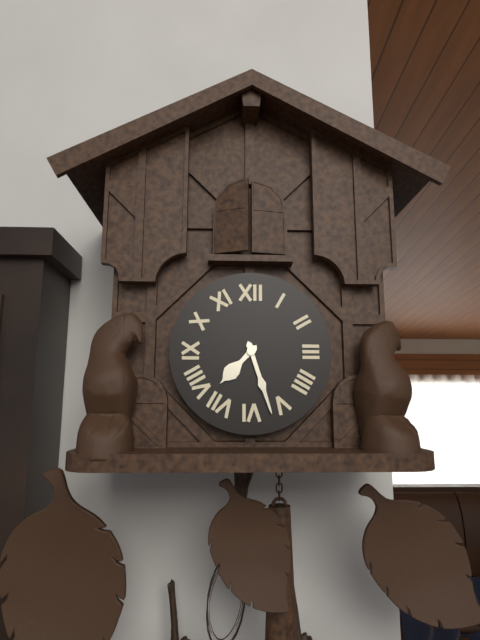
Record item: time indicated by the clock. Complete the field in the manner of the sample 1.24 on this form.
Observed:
7.27
